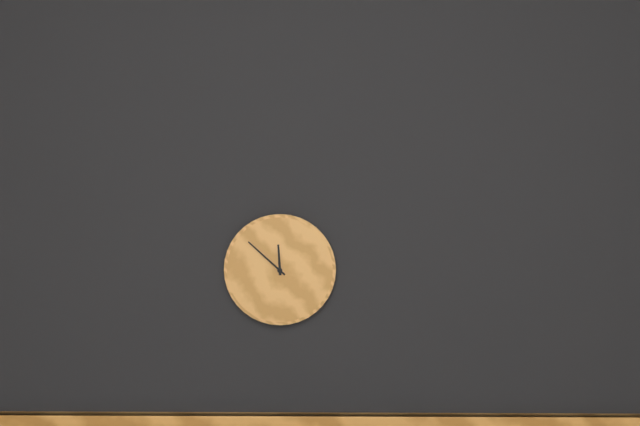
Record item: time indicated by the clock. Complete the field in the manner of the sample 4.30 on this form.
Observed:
11.52
